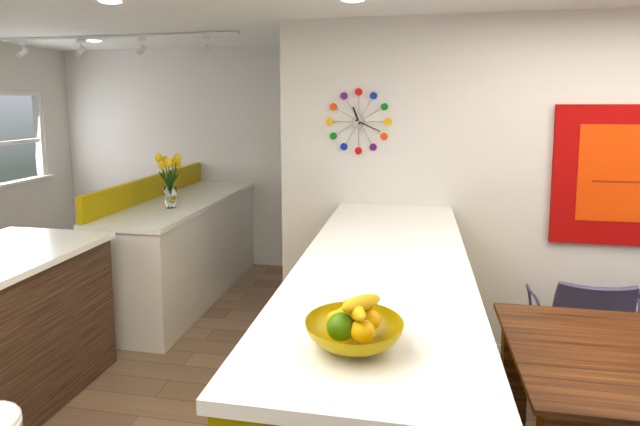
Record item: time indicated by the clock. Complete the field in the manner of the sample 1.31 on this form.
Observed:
11.19
